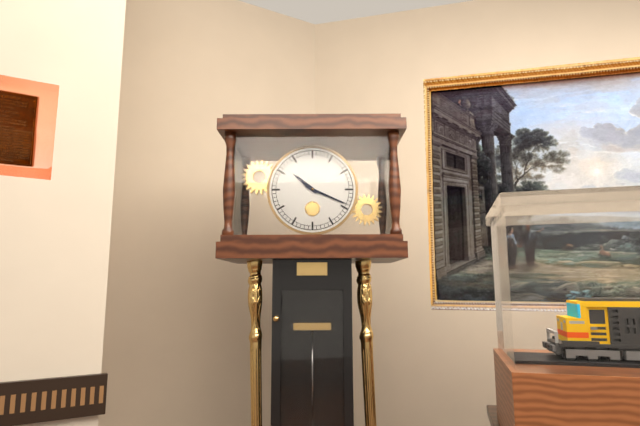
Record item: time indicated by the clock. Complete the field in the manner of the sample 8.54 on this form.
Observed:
10.19
